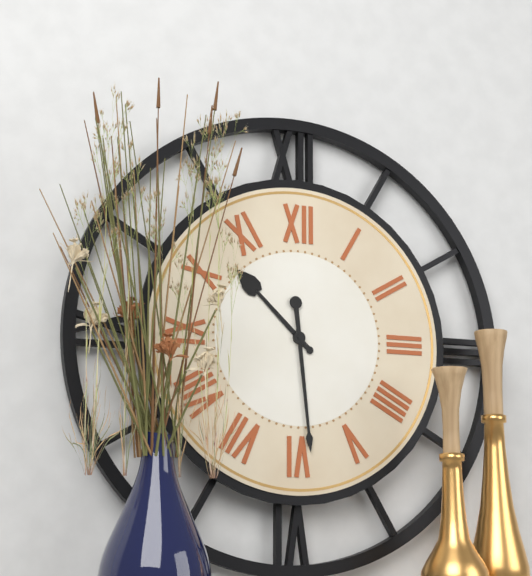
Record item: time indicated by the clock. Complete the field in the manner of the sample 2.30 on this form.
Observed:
10.29
